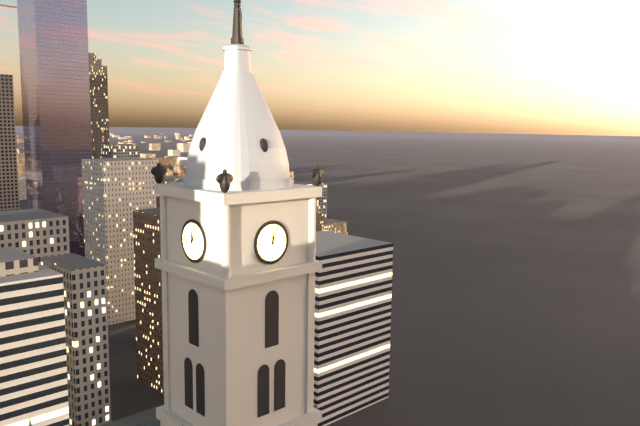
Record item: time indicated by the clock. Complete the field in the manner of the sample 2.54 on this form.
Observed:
12.04
